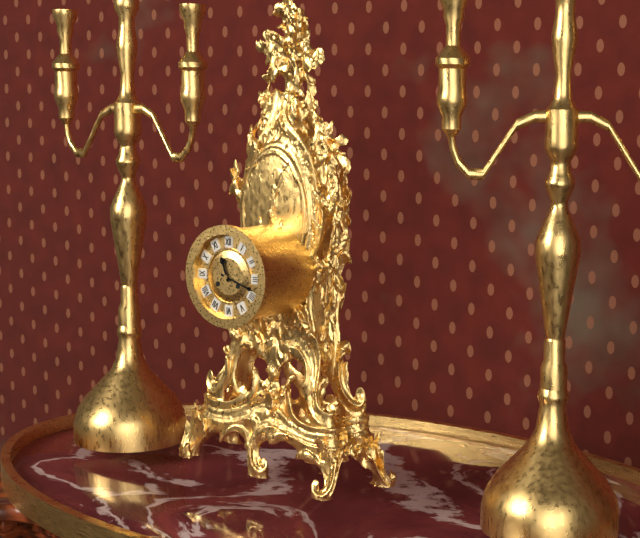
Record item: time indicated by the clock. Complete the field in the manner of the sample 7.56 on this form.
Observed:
11.18
